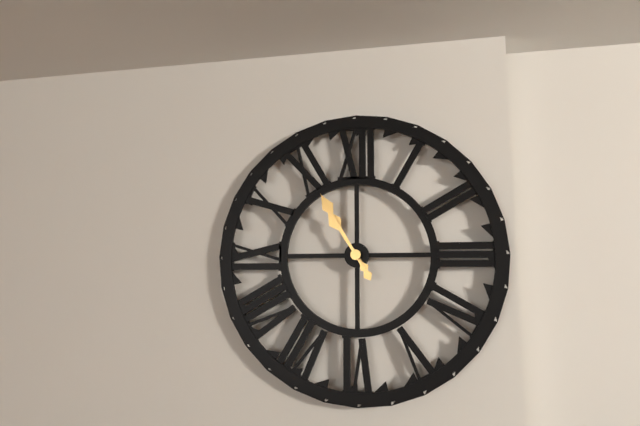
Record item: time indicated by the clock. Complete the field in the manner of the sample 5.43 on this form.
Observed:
10.55
